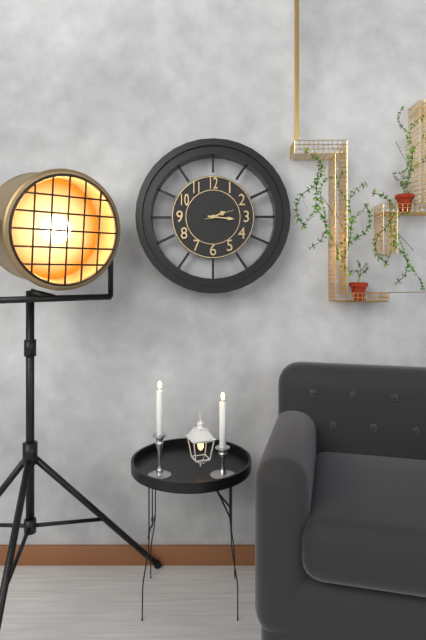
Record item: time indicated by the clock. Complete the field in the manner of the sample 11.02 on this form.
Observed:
2.16
